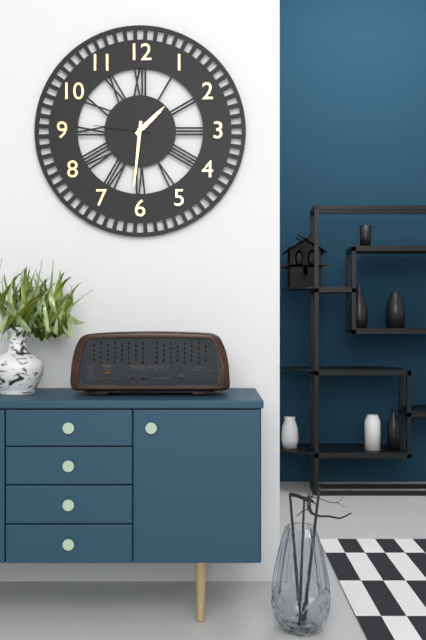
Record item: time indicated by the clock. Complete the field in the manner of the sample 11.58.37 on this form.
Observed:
1.31.46
